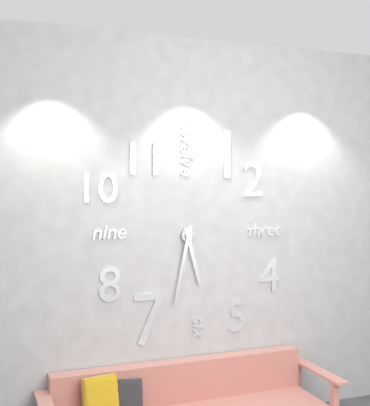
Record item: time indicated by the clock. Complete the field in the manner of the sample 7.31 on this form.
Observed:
5.32
